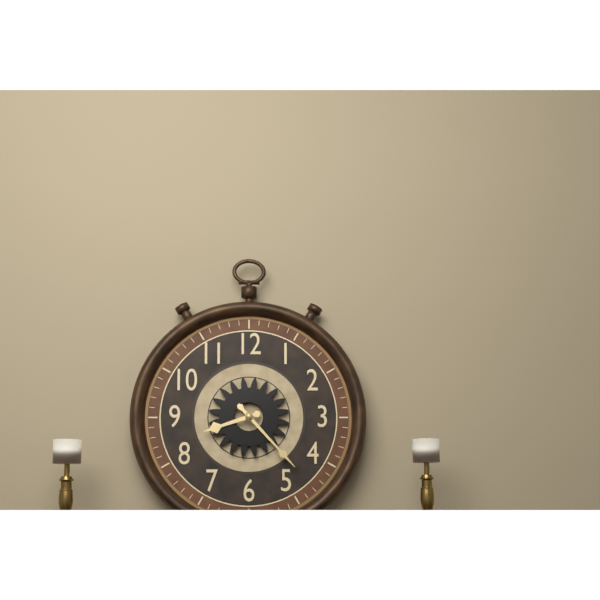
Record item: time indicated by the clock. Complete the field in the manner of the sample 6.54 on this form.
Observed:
8.23
